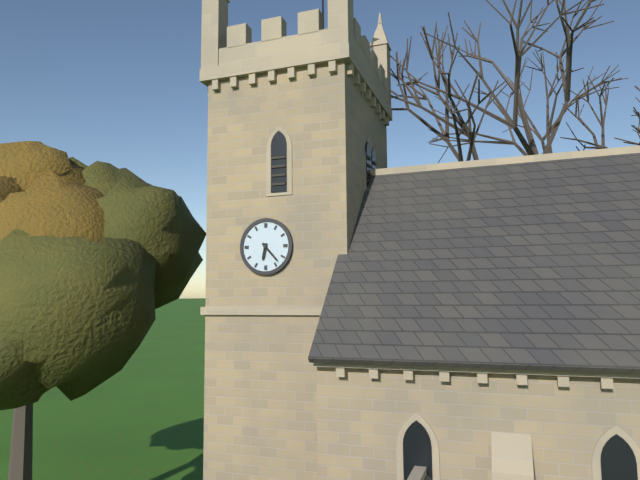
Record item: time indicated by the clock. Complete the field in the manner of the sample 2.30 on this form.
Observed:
6.23
